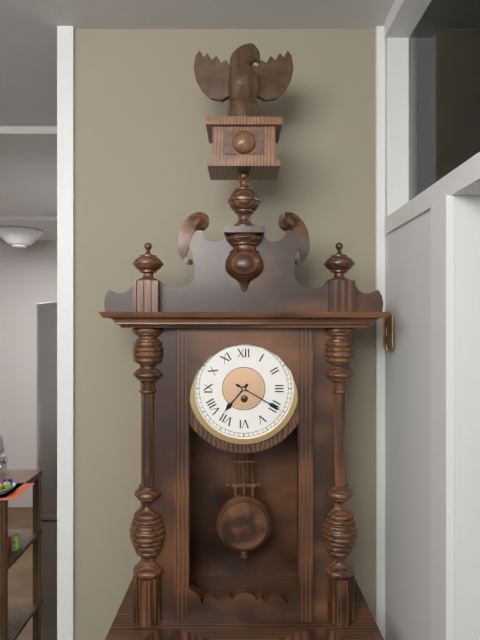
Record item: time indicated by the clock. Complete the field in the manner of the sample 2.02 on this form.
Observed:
7.20
